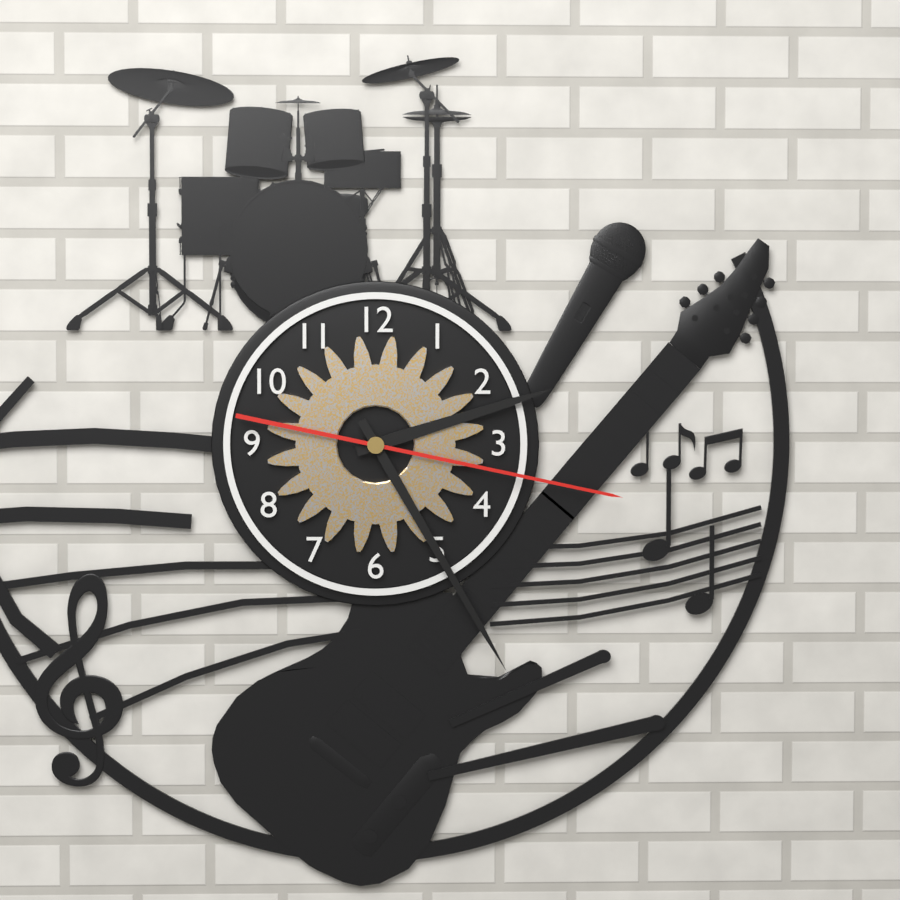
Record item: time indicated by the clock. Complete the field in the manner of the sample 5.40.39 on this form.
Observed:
2.25.17
